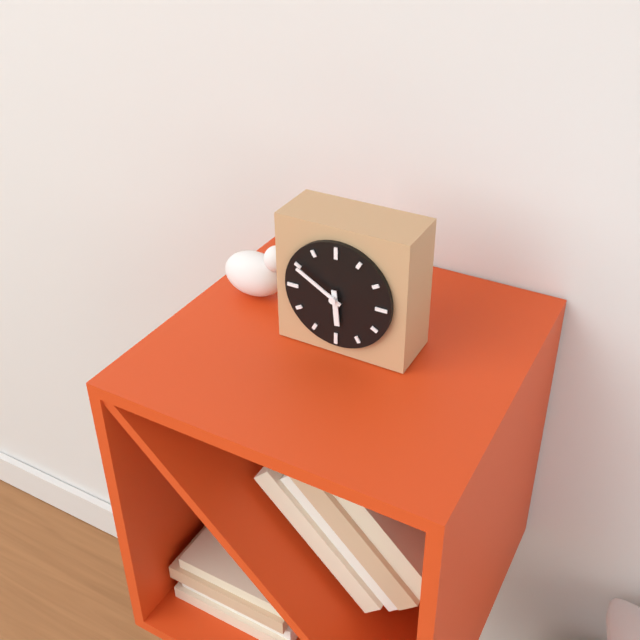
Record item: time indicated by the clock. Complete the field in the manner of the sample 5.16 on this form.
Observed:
5.50
